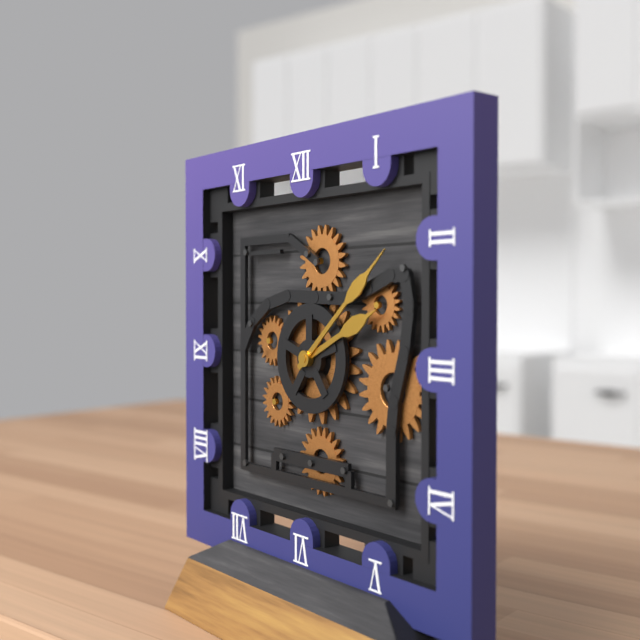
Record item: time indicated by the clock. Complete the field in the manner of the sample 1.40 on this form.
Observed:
2.08
